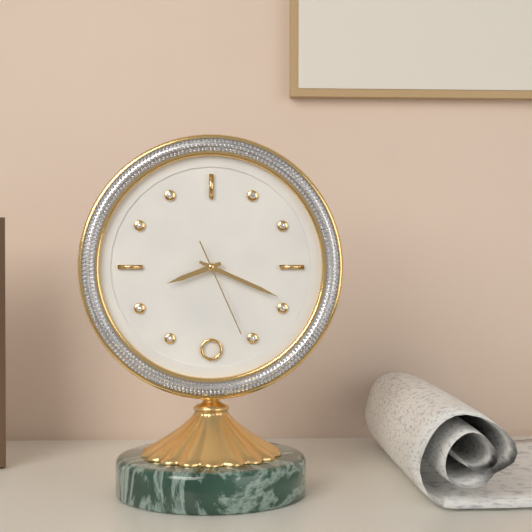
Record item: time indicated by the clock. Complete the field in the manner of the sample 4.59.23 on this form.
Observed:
8.19.26
